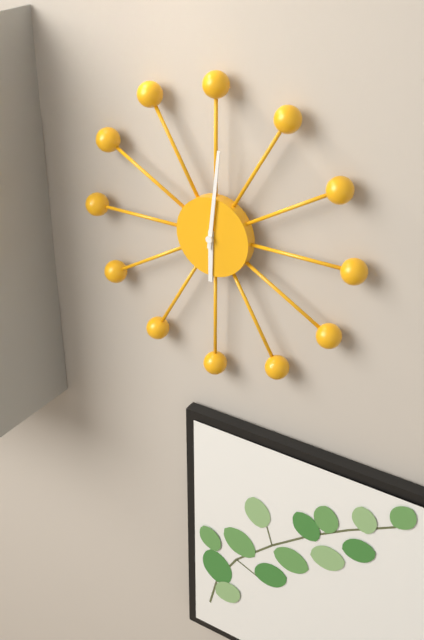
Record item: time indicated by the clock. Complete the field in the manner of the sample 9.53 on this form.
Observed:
6.01
